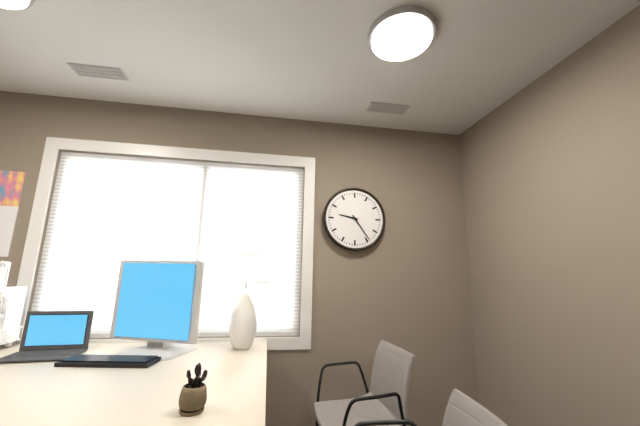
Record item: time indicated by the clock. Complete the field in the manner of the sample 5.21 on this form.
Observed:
9.24
